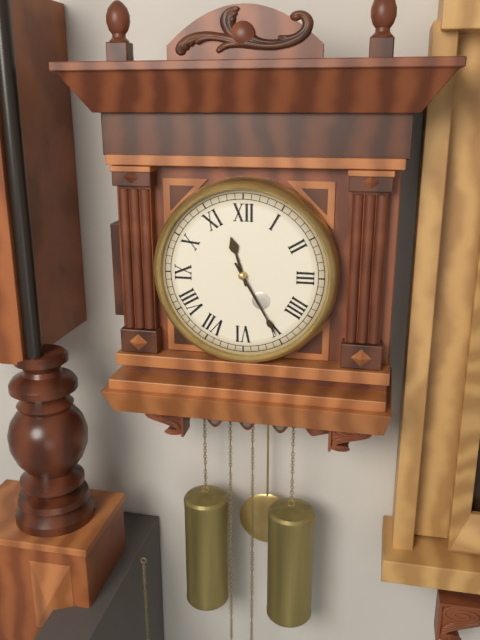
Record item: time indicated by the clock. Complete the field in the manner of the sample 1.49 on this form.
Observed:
11.25
